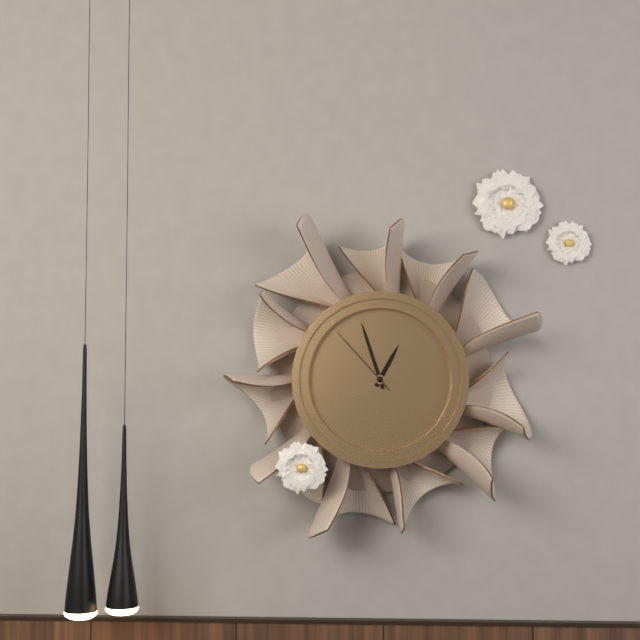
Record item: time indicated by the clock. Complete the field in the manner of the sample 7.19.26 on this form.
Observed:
12.57.53
